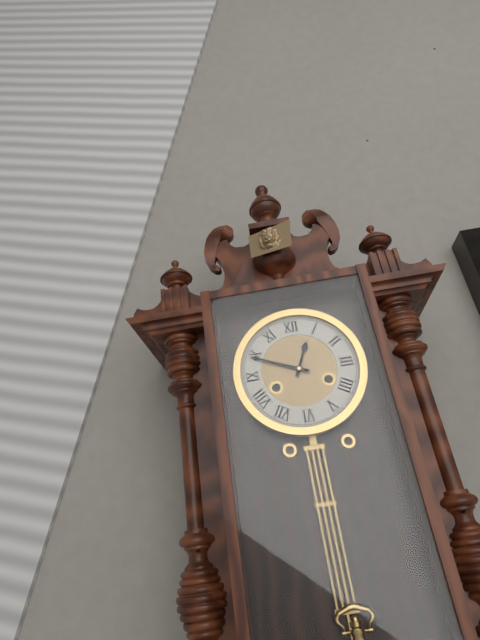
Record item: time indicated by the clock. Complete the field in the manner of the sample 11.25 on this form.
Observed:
12.49
